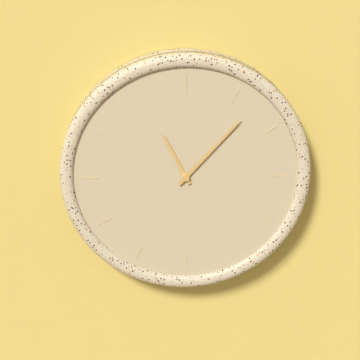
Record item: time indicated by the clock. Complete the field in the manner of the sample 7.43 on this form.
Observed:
11.07
